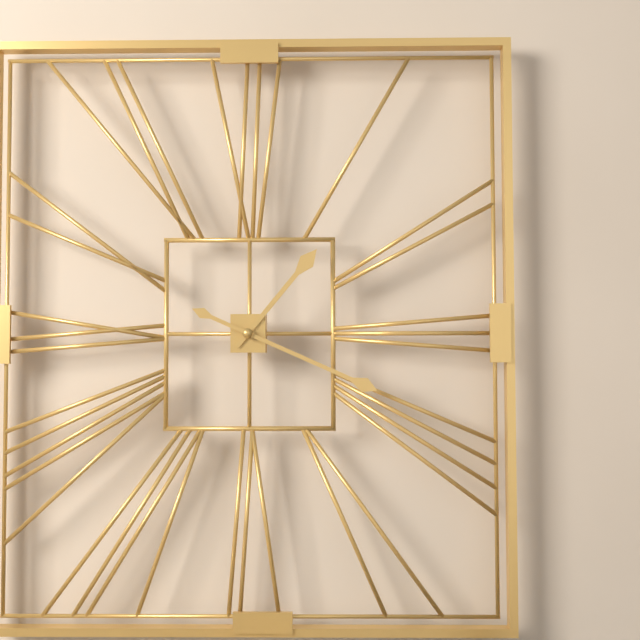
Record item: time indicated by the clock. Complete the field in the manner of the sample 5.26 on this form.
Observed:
1.19
